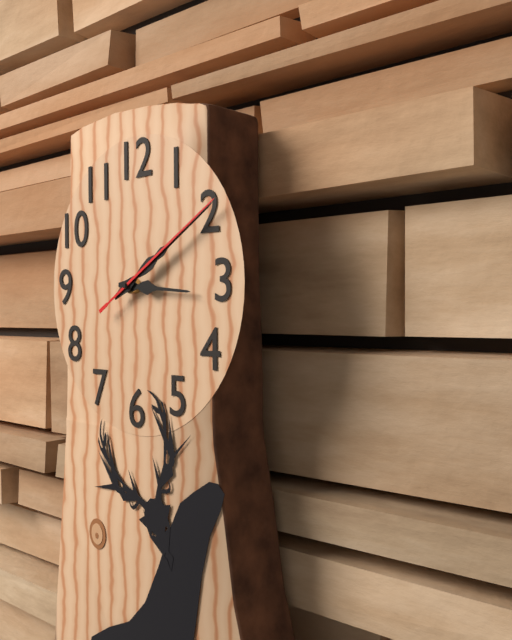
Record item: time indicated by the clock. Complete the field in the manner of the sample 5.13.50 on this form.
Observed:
3.10.10
